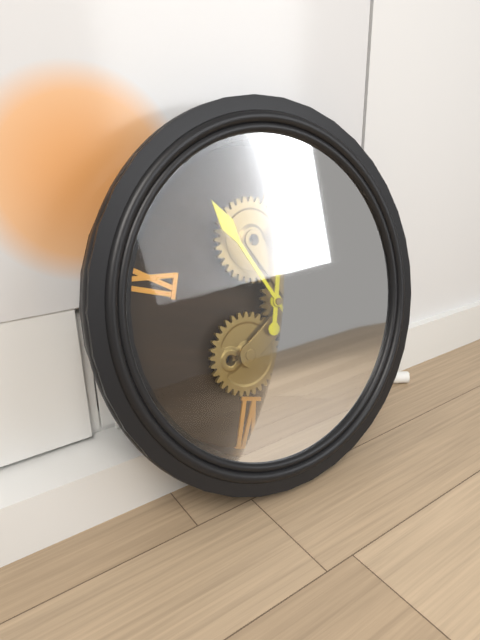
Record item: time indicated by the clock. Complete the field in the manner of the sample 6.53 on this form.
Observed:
11.52
